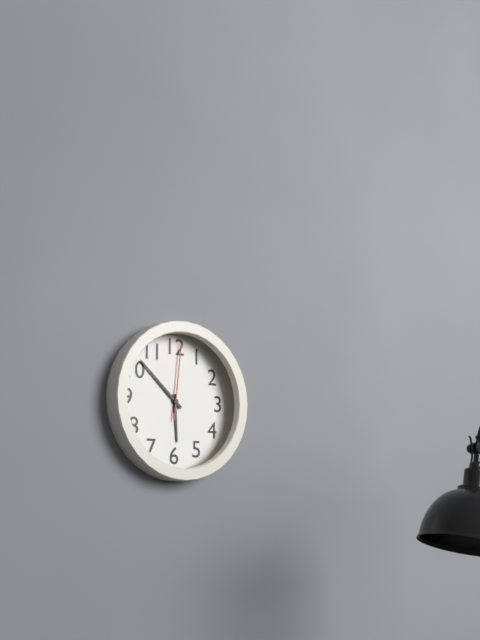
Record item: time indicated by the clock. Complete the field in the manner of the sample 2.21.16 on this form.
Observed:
5.52.01
